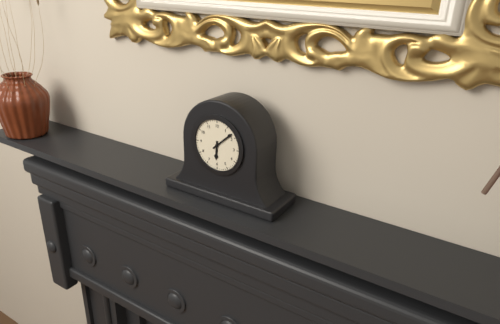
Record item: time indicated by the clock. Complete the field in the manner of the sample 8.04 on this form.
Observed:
6.08
